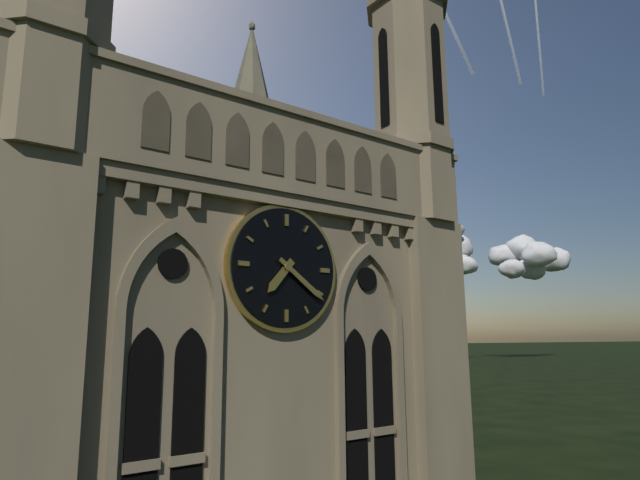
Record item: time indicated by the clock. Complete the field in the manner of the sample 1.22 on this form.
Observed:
7.21
